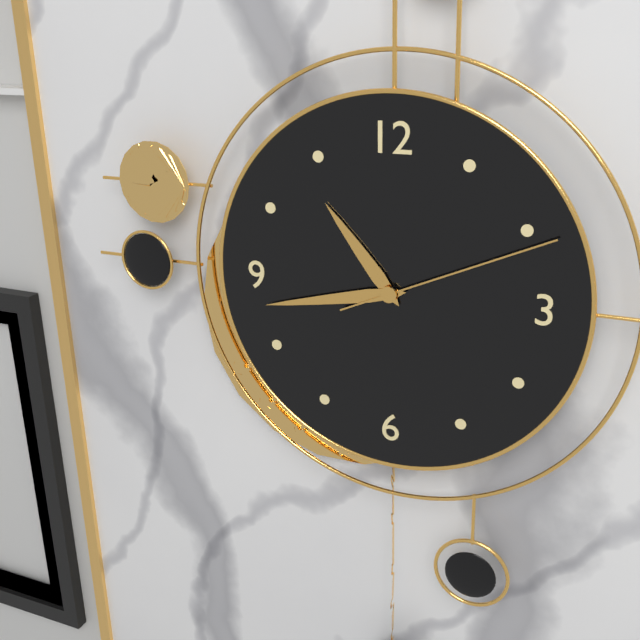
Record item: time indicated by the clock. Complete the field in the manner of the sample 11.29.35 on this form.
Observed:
10.43.11
